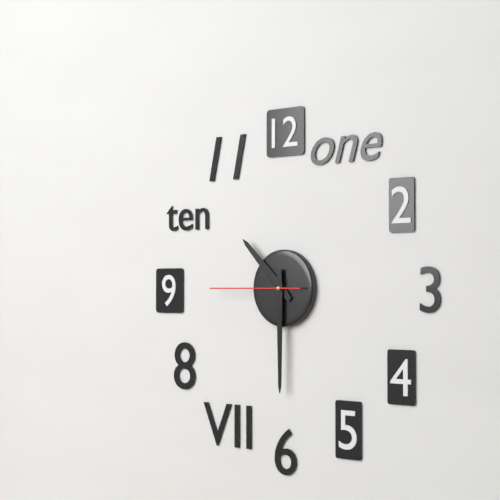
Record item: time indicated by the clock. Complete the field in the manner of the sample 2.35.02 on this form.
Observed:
10.30.45
